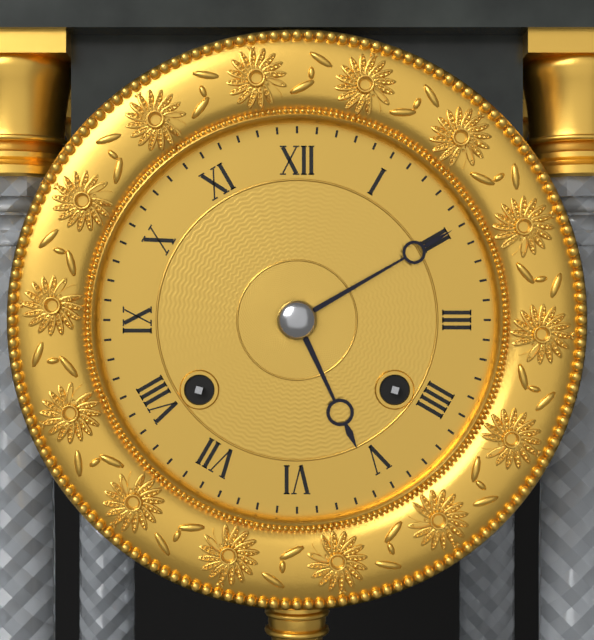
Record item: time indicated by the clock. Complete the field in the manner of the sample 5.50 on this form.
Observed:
5.10
